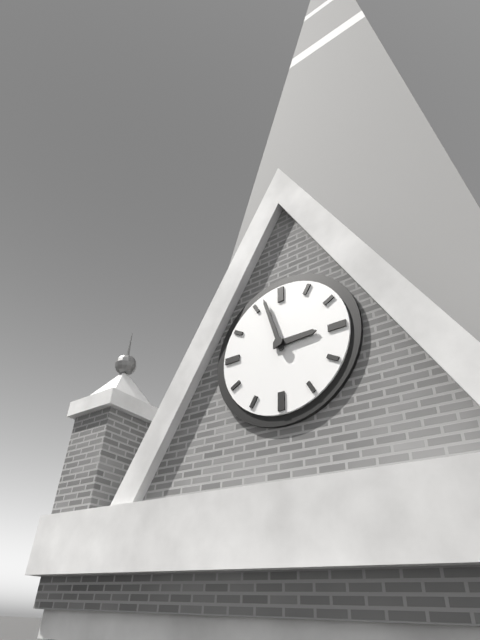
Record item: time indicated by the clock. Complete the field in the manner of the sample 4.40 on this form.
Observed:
2.57
